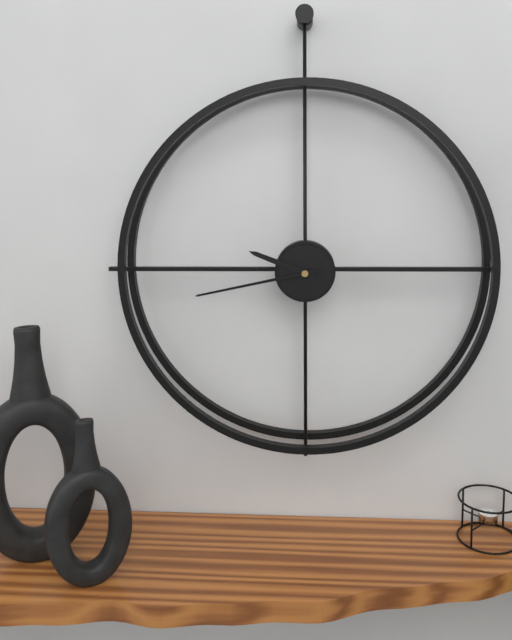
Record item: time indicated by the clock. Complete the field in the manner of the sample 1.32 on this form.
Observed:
9.43
